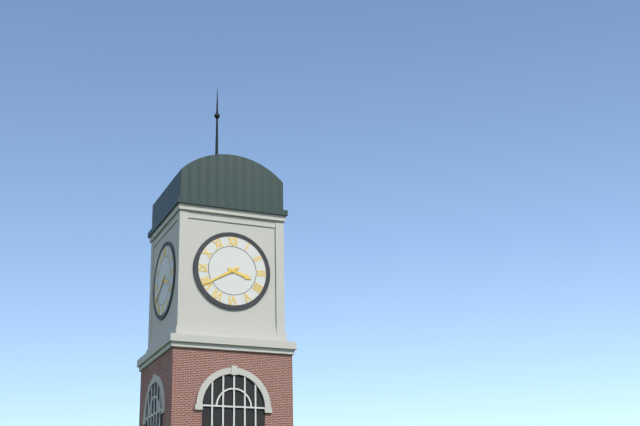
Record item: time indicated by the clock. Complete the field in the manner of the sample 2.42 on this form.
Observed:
3.40
